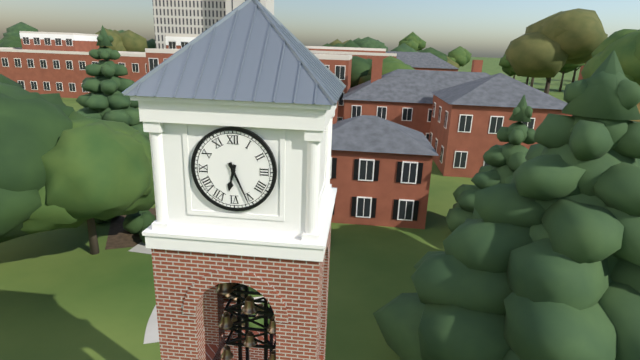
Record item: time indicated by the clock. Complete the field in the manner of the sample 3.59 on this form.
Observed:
6.26
